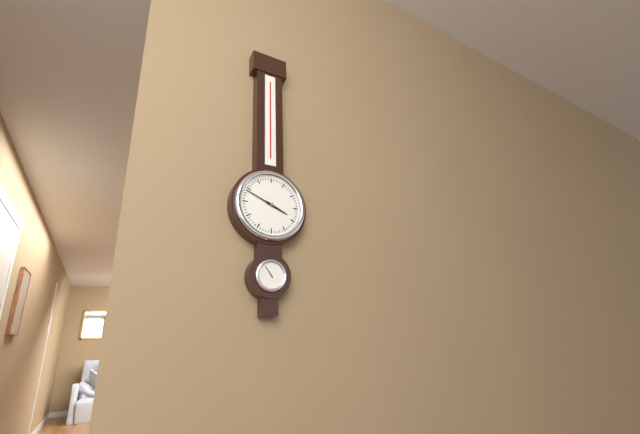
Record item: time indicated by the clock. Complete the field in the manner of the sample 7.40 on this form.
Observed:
3.49
